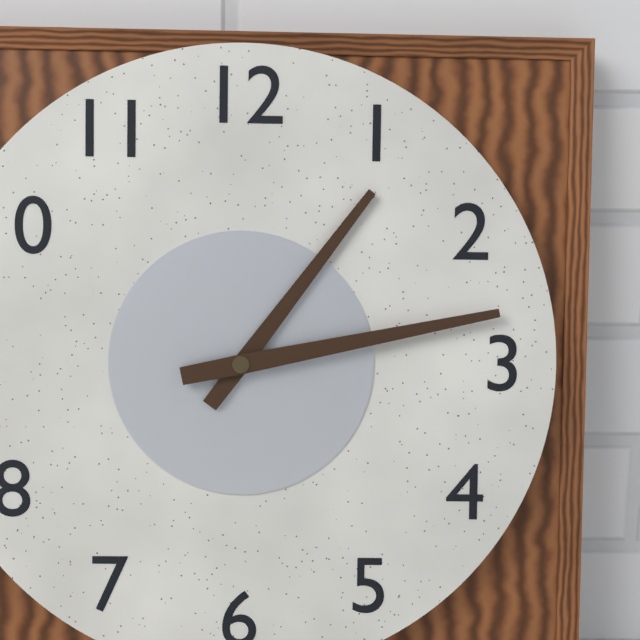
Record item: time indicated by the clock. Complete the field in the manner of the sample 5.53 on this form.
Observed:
1.13
